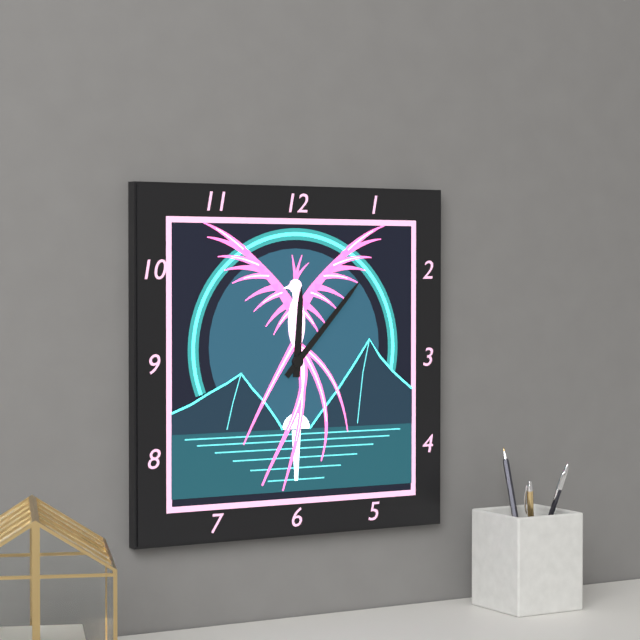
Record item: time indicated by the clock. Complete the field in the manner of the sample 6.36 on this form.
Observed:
12.07
